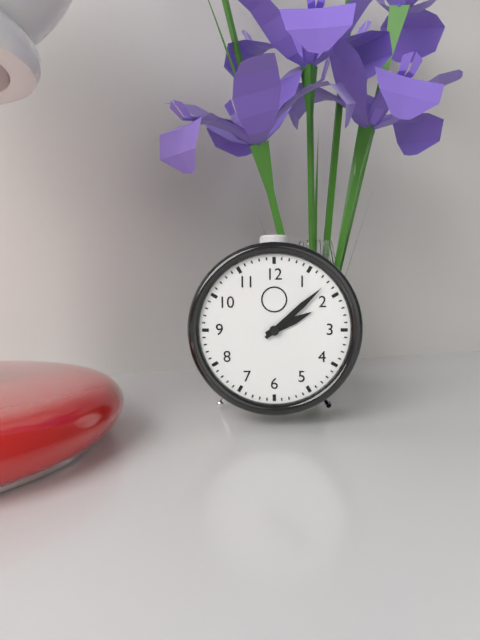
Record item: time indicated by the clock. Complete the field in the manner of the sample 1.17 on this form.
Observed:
2.08
